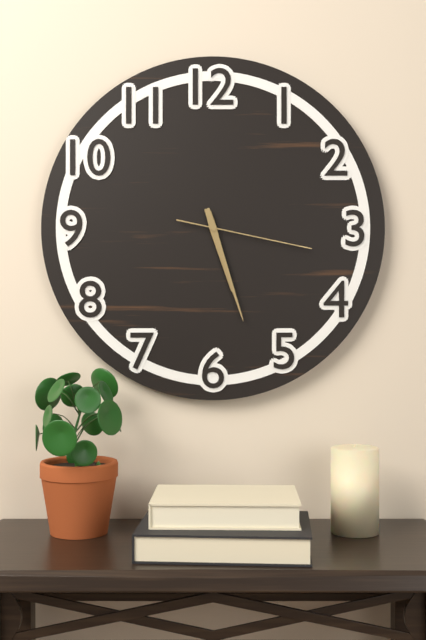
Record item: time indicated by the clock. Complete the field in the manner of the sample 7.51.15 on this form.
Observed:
5.27.17
